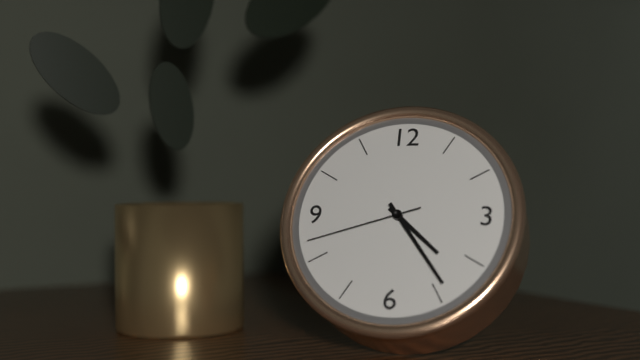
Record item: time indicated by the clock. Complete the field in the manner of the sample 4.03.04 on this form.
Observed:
4.24.42
